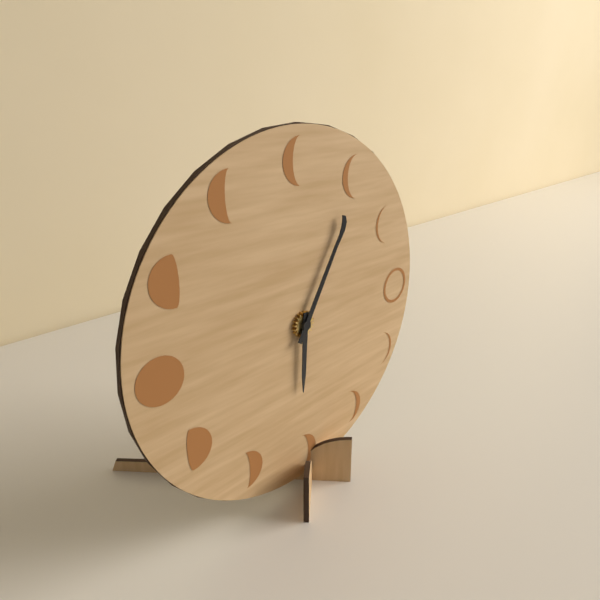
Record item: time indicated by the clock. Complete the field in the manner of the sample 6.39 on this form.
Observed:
6.05
